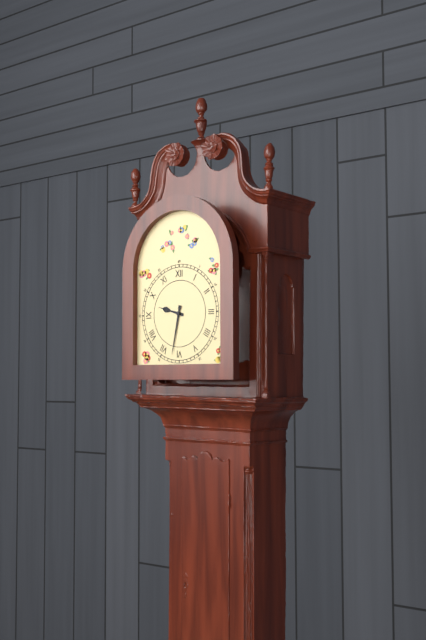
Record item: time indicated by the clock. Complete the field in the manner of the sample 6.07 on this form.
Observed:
9.32
